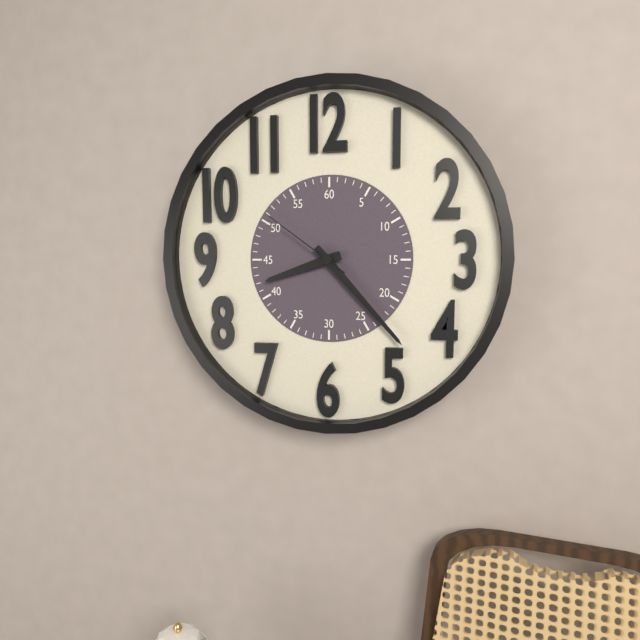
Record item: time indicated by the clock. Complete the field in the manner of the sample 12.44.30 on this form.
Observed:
8.23.51
